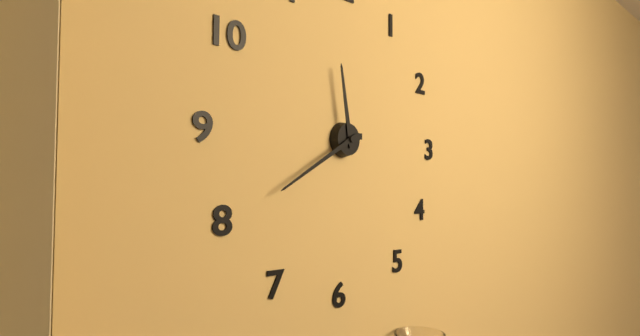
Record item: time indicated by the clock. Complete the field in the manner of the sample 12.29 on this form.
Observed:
11.40
